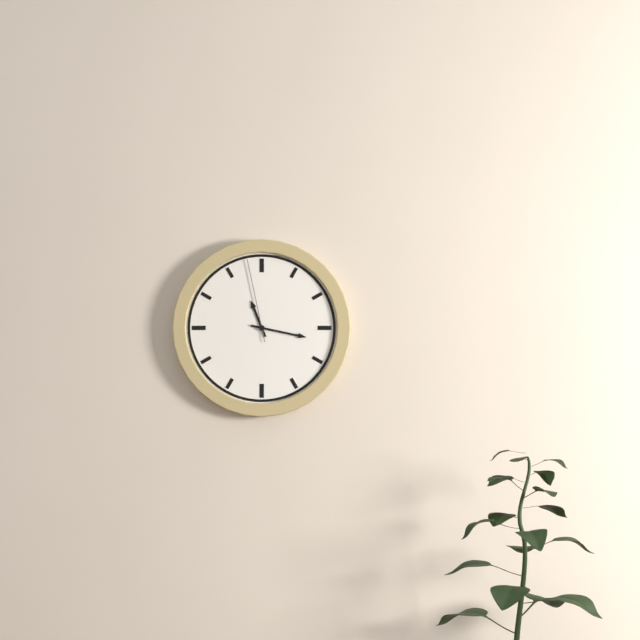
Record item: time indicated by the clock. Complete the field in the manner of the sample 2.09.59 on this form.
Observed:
11.17.58
